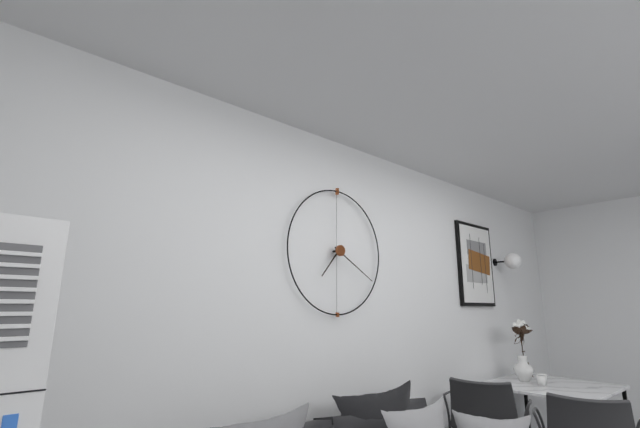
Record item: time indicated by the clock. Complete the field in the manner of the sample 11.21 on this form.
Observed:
7.20
